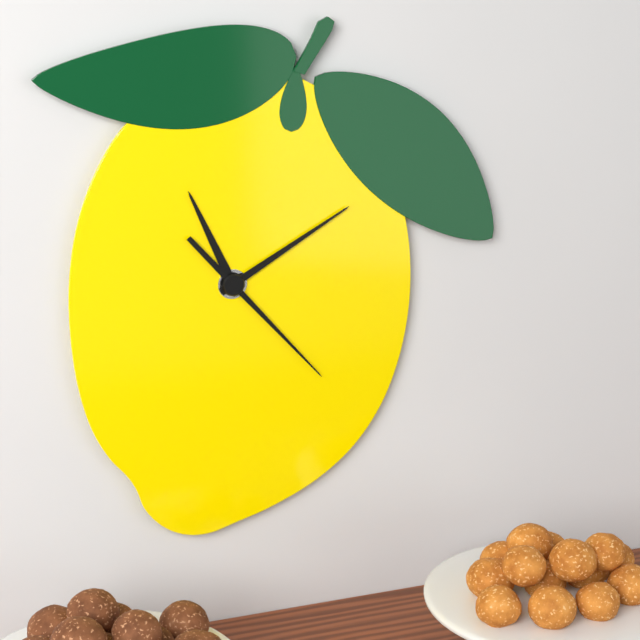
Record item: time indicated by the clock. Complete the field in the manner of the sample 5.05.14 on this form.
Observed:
11.10.23
